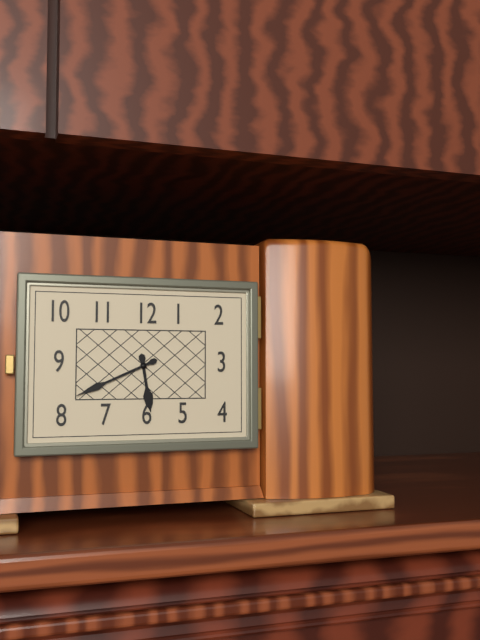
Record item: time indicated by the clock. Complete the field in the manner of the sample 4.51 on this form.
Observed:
5.41
